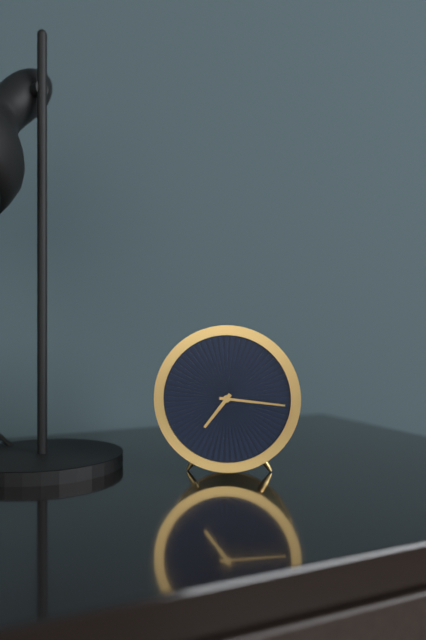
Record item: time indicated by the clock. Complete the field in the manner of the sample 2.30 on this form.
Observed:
7.16
